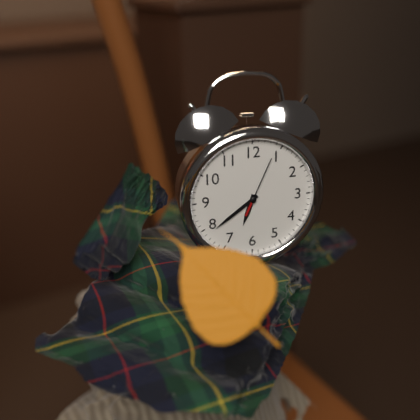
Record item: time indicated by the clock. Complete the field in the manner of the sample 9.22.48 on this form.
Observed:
6.39.04
